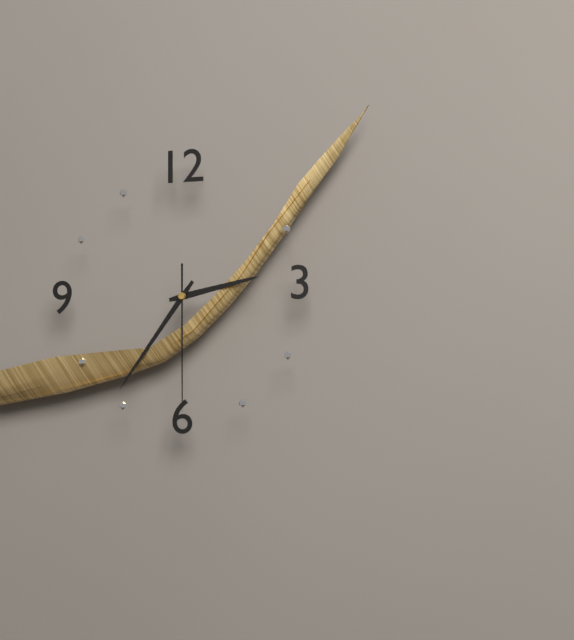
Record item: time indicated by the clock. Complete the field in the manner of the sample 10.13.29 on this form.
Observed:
2.36.30
